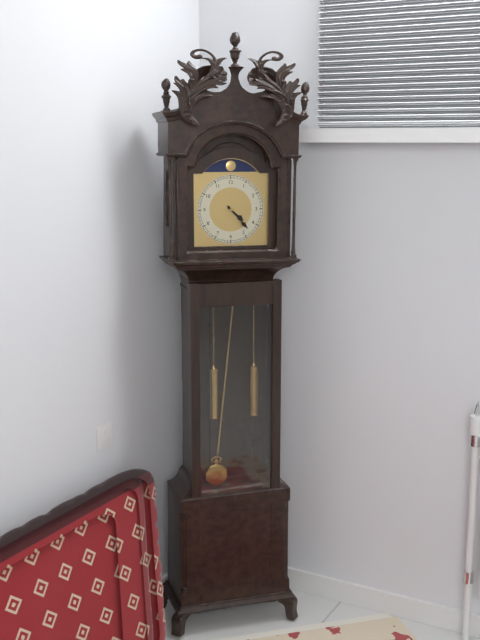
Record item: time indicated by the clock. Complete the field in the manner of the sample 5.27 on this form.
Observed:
4.23
